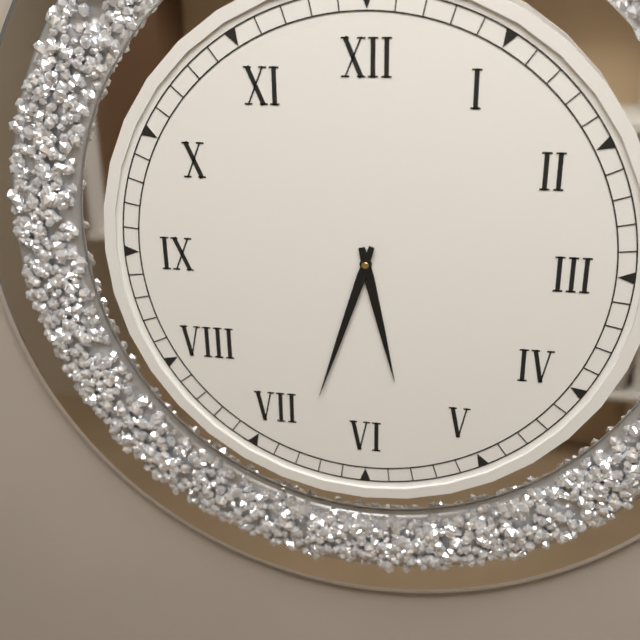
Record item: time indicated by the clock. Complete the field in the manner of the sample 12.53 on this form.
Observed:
5.33
